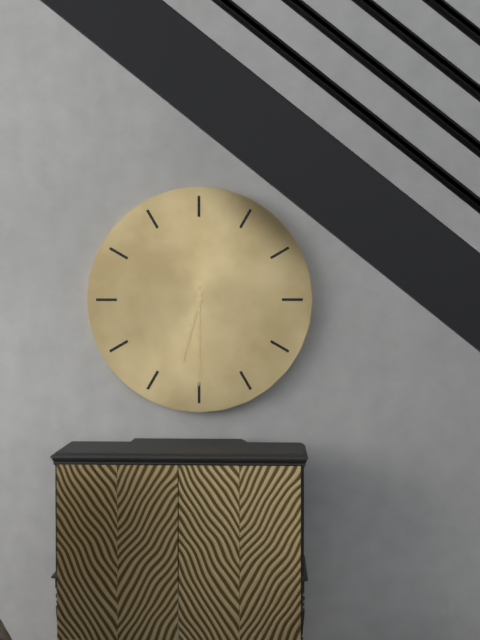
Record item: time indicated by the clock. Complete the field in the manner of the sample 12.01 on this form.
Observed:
6.30
